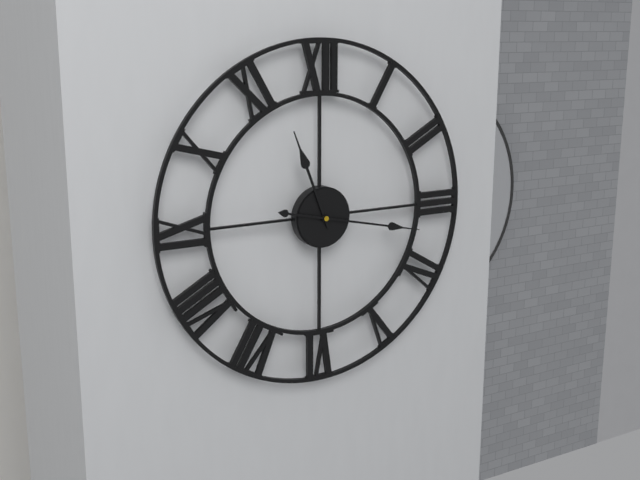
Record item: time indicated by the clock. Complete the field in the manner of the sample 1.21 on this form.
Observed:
11.17
